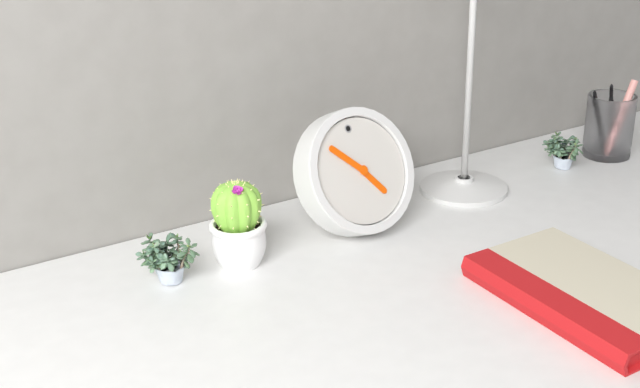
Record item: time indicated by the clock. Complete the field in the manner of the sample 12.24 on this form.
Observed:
4.53
